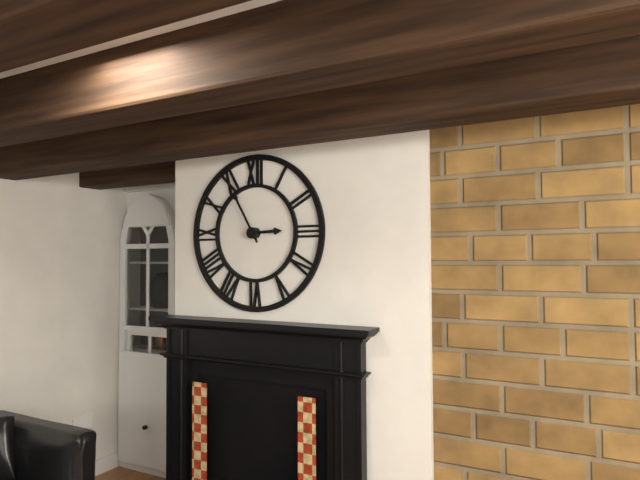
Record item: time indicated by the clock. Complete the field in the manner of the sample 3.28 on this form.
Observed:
2.55
